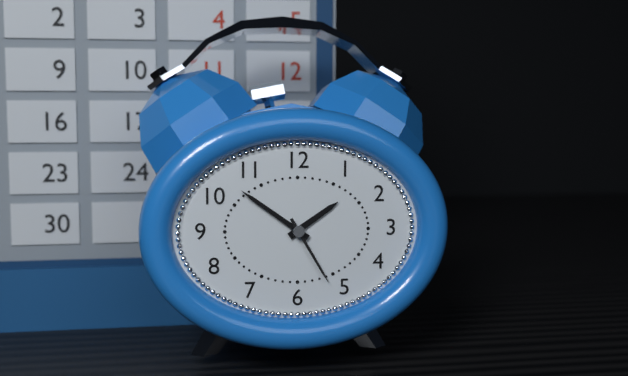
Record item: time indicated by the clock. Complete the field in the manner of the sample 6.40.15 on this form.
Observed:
1.51.25
